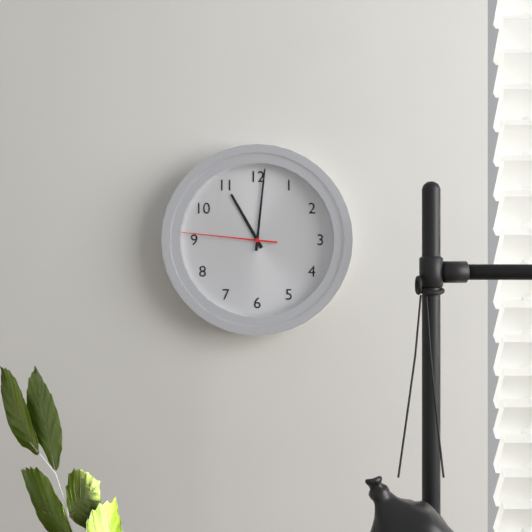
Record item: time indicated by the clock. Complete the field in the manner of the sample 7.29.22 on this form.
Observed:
11.01.46
